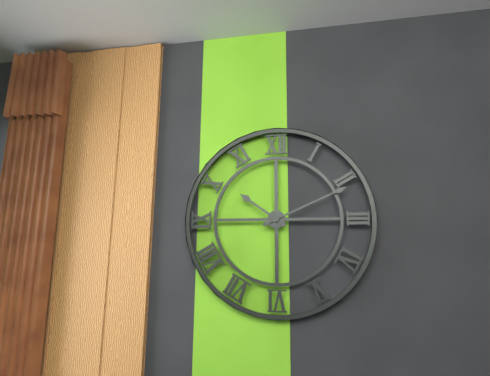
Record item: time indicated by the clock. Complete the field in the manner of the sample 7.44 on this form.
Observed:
10.11
